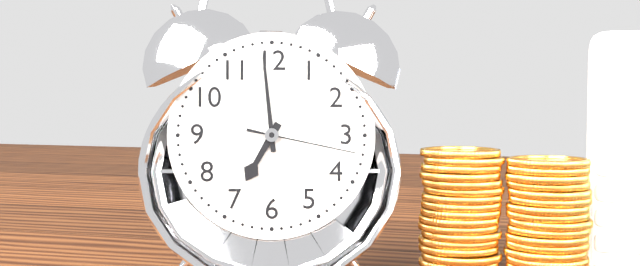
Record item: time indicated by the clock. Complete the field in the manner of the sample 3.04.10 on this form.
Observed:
6.59.17
